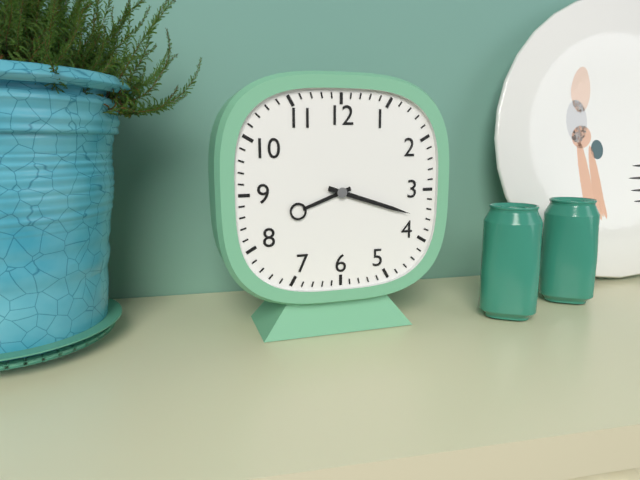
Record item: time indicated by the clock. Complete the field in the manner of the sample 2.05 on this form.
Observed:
8.18
